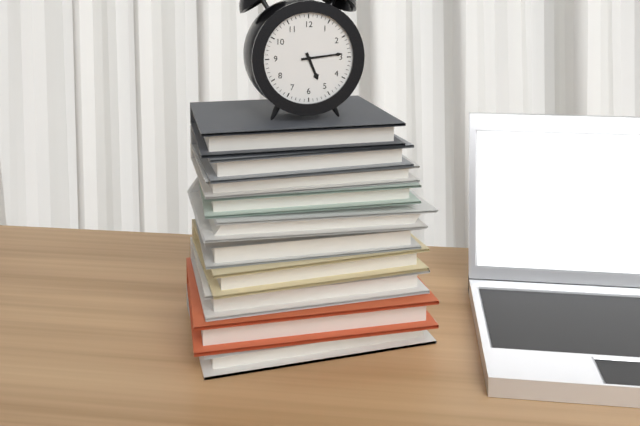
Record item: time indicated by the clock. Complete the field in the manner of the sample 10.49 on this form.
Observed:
5.14
